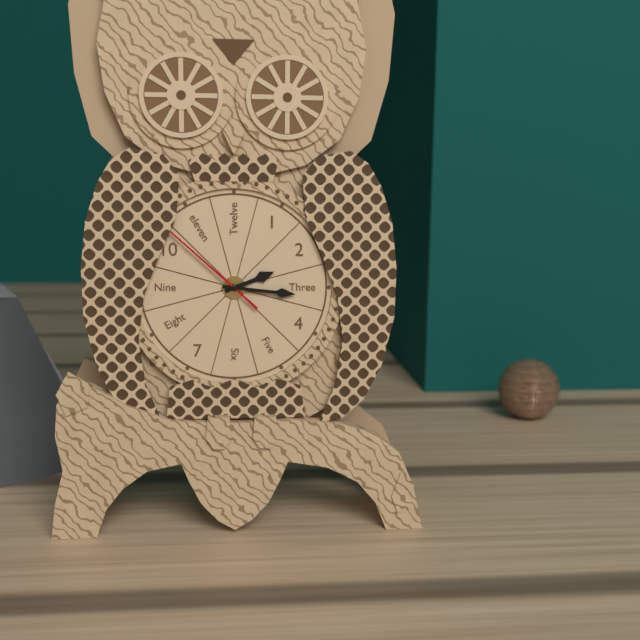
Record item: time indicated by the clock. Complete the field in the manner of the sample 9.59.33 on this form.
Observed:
2.16.52
